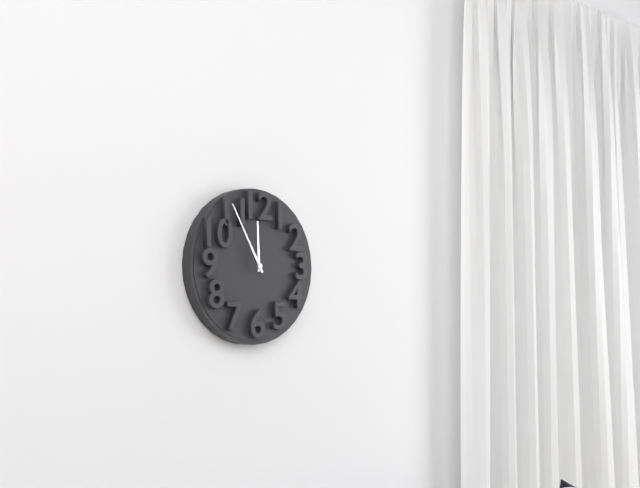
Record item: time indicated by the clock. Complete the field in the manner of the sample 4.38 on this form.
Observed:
11.55
